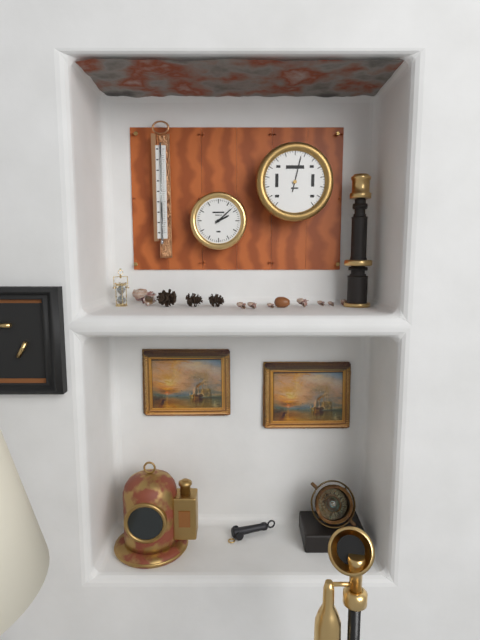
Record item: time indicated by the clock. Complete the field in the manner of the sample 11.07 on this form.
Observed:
2.08
